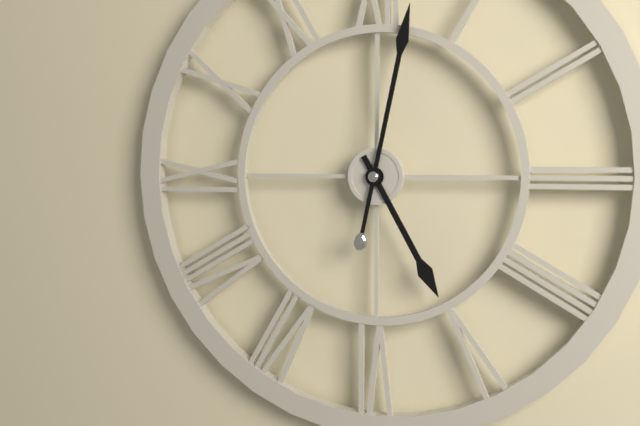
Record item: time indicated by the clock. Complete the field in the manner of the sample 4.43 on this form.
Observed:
5.02
